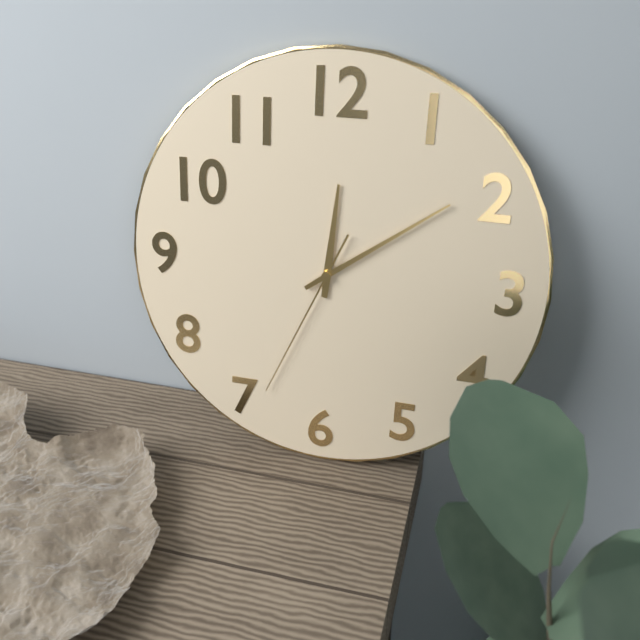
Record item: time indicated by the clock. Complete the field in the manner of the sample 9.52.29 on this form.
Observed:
12.09.34
